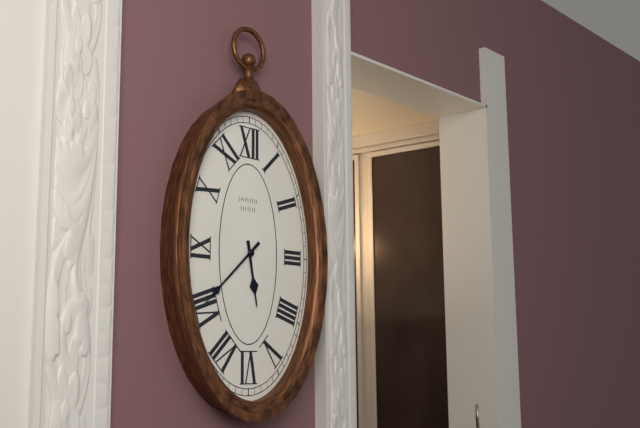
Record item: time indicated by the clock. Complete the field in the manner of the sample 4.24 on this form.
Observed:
5.38
